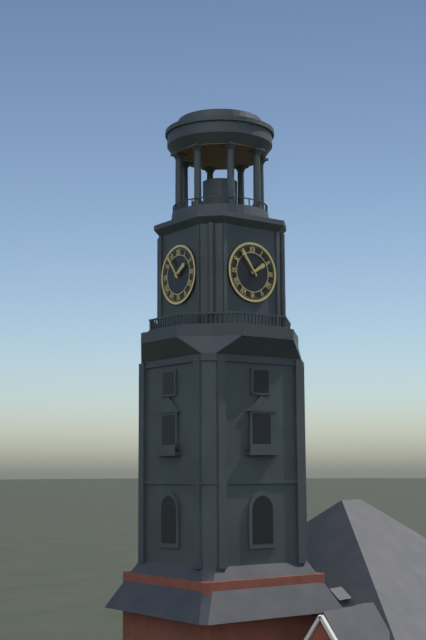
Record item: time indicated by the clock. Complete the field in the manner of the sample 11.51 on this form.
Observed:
1.54
